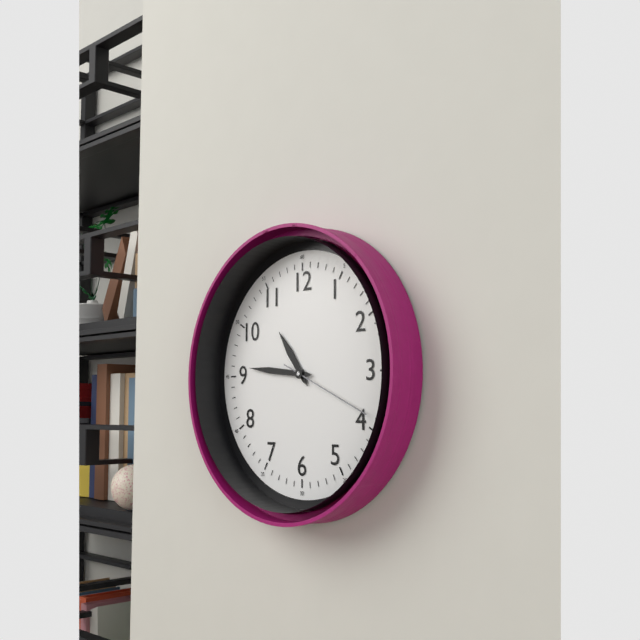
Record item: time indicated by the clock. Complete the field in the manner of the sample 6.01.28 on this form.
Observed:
10.46.19
